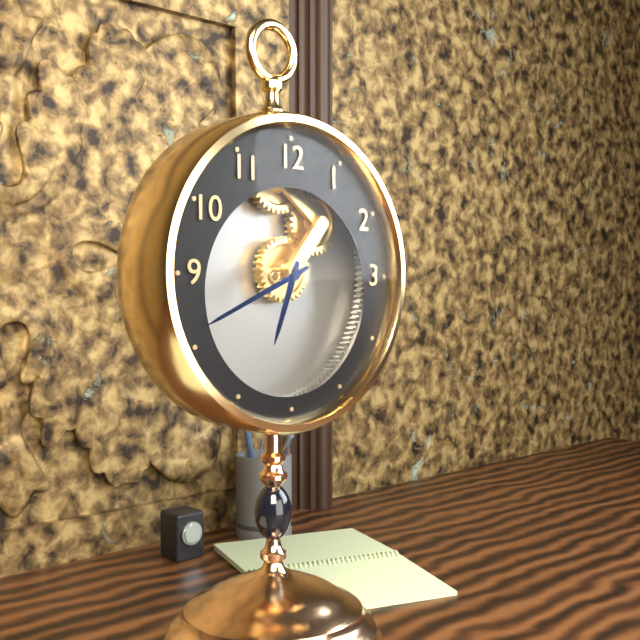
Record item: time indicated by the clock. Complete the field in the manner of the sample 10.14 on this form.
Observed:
6.41
